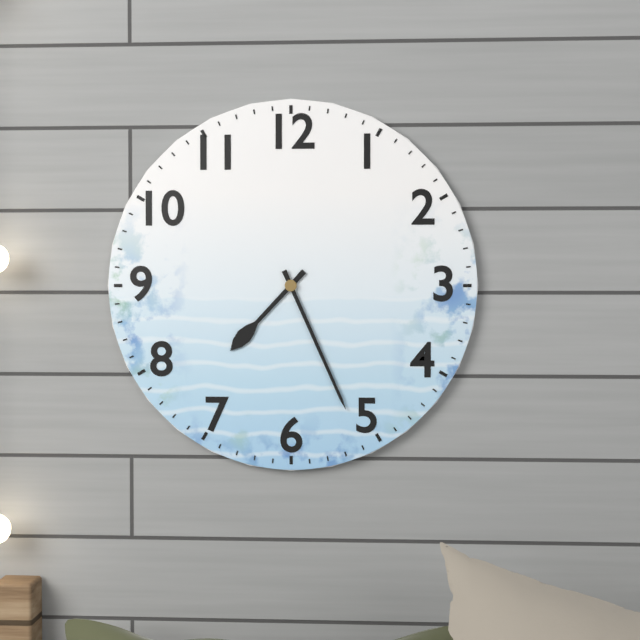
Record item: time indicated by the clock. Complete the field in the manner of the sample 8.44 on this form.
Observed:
7.26
